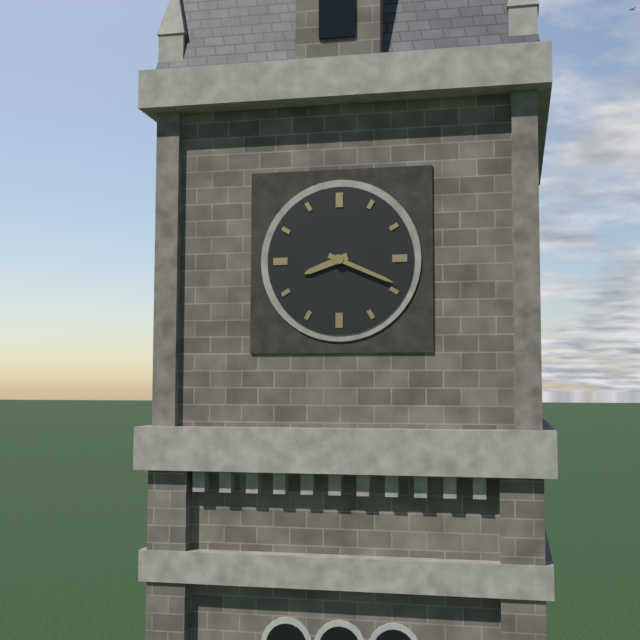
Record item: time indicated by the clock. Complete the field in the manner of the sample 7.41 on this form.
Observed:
8.19
